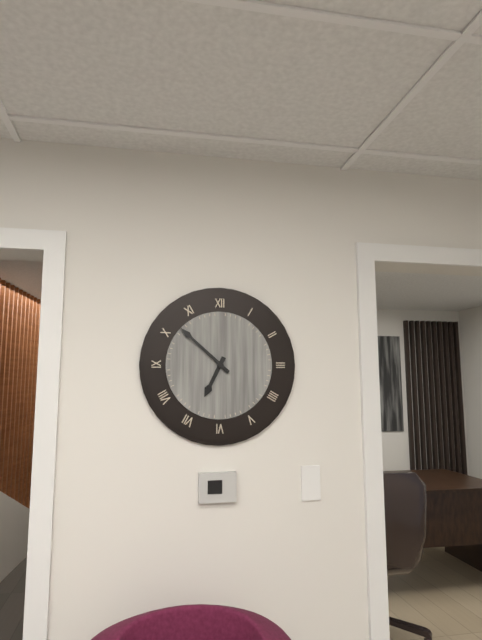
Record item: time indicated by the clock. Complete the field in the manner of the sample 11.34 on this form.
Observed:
6.52
